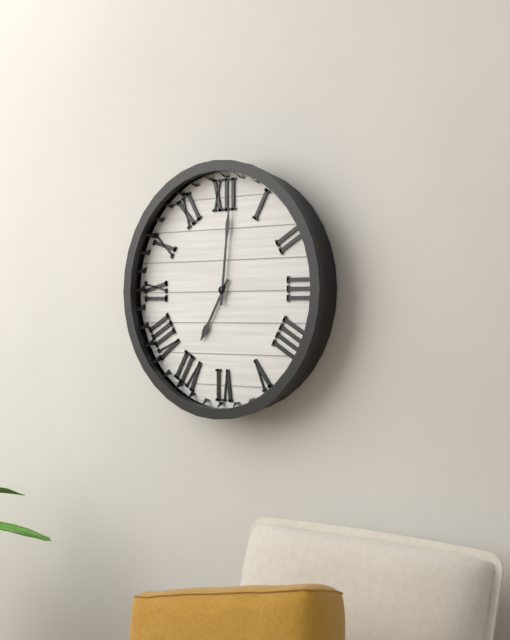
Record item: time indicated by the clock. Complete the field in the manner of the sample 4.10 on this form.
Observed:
7.01
